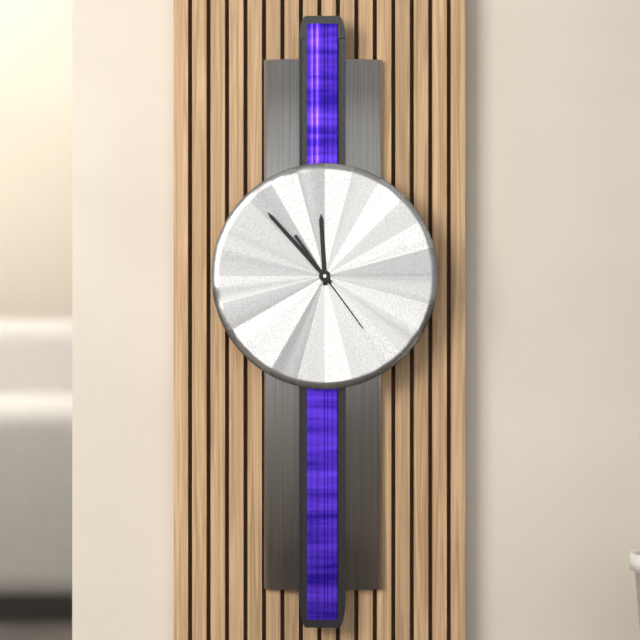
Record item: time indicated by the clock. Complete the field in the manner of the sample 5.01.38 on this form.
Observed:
11.53.24
